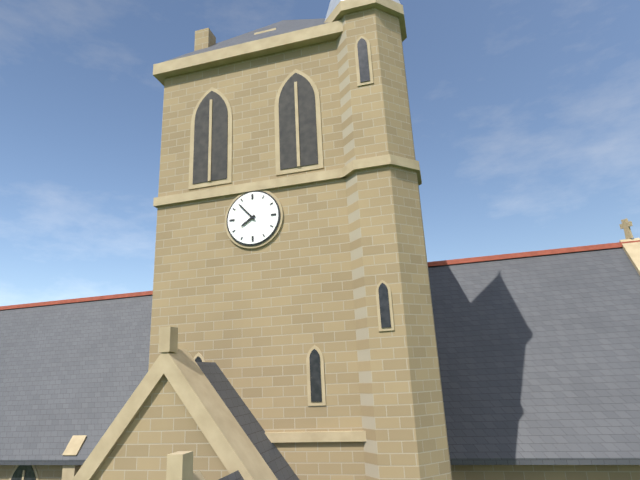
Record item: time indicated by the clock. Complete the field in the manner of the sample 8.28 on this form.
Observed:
7.53
